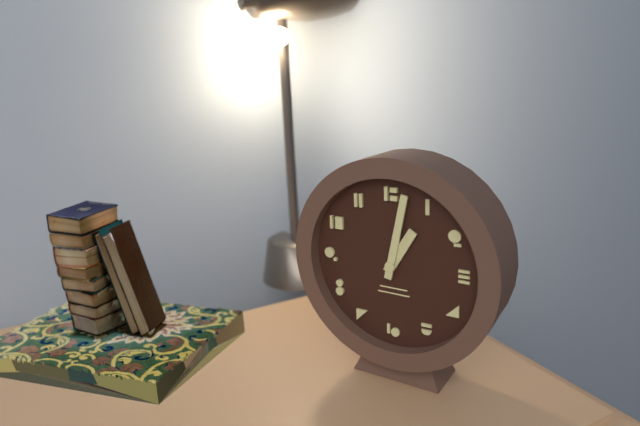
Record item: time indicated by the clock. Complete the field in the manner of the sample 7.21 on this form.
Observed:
1.02
